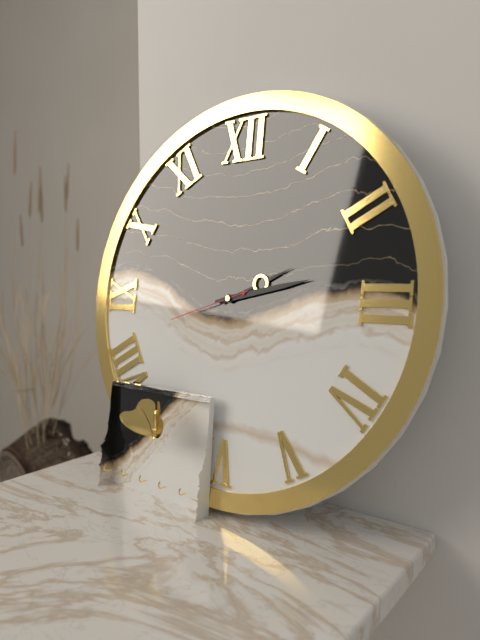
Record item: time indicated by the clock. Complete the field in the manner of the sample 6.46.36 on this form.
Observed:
2.13.42
